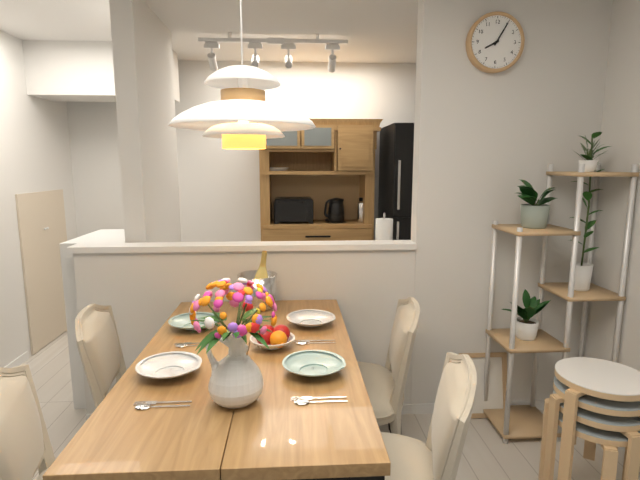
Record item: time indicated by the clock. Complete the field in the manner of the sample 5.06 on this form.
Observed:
8.05
